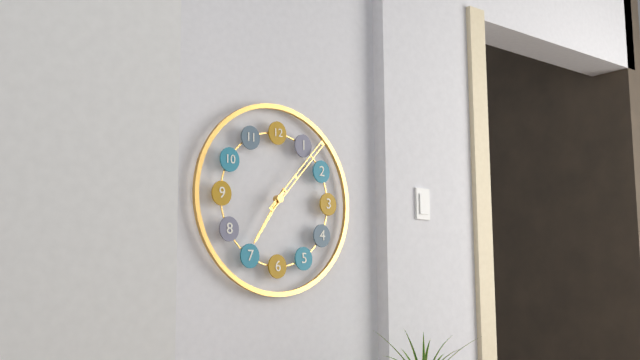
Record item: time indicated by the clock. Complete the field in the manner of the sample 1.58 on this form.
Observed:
7.07
